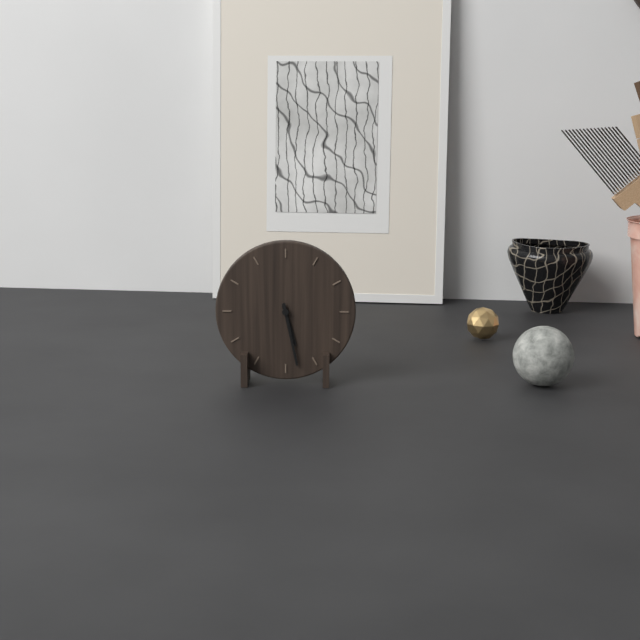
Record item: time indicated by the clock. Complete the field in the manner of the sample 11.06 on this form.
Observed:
5.28
